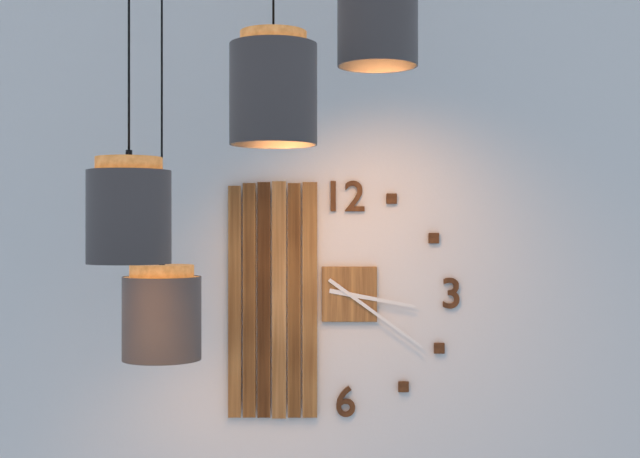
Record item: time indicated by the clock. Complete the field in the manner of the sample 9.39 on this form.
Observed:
3.21
